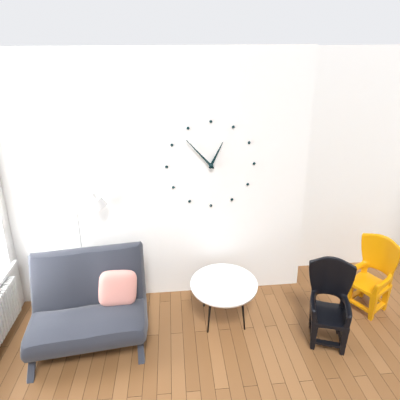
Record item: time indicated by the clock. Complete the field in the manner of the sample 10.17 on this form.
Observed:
12.53
